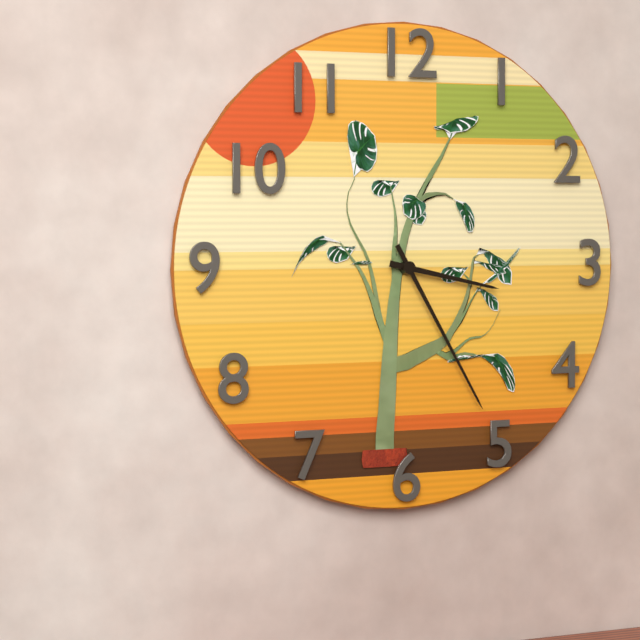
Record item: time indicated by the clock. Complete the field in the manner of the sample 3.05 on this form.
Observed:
3.25
